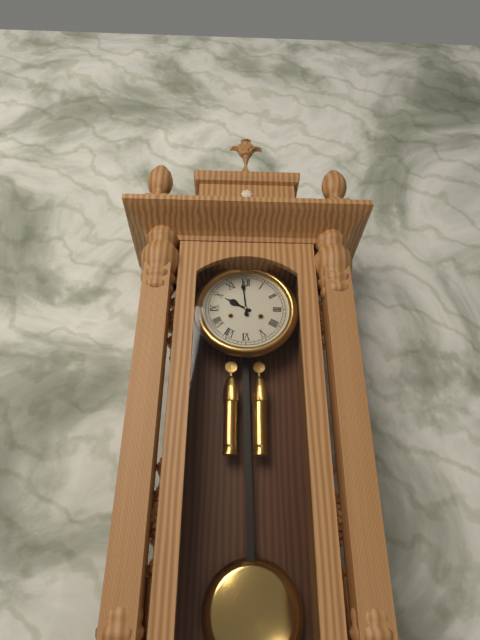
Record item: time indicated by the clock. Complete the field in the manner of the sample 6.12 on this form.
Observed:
9.59
